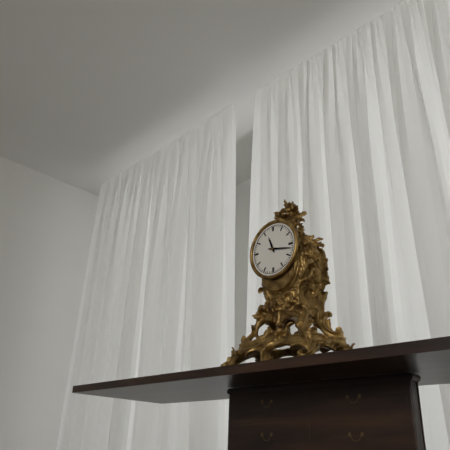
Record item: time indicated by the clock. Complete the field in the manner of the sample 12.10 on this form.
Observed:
11.17
